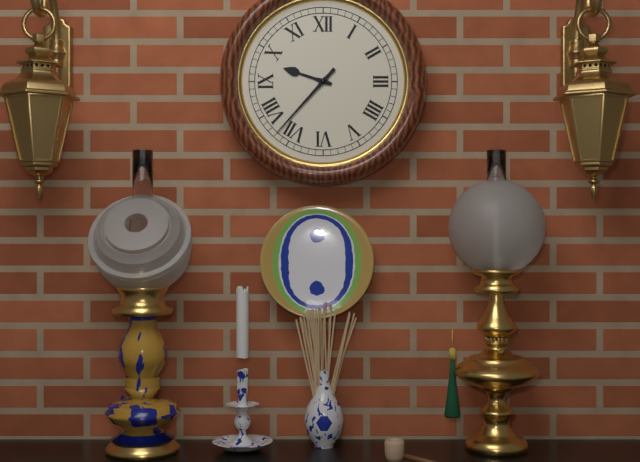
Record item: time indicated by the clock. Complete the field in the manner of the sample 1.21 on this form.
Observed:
9.37
